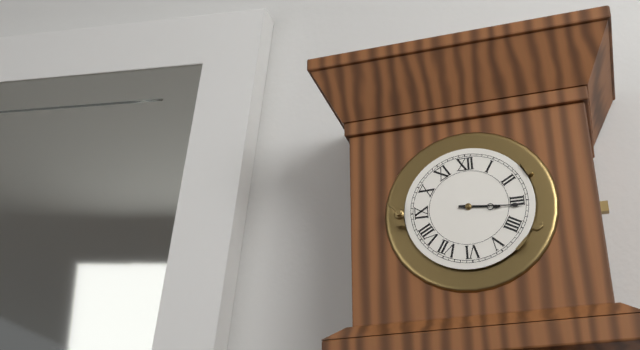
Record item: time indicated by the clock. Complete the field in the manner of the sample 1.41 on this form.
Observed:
3.16
